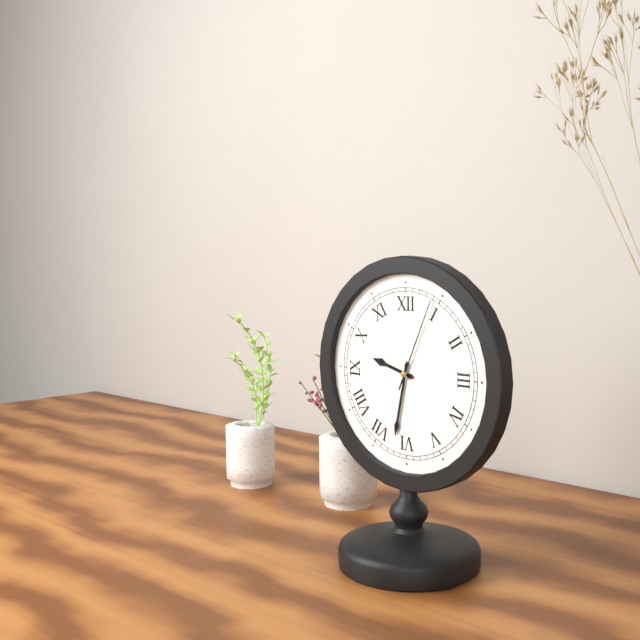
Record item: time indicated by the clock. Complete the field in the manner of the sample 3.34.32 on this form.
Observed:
9.32.04
